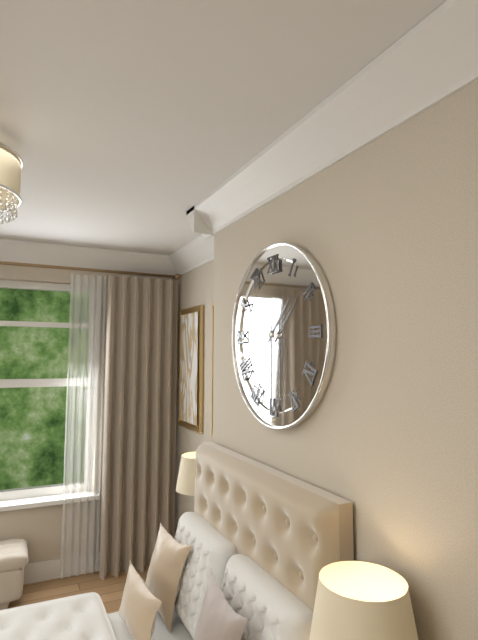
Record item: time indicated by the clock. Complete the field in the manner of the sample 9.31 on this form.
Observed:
1.30
